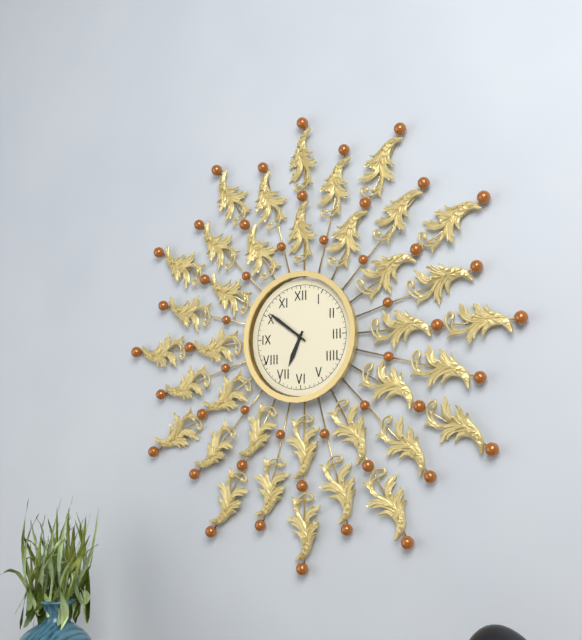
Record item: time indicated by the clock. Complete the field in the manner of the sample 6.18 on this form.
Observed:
6.51
